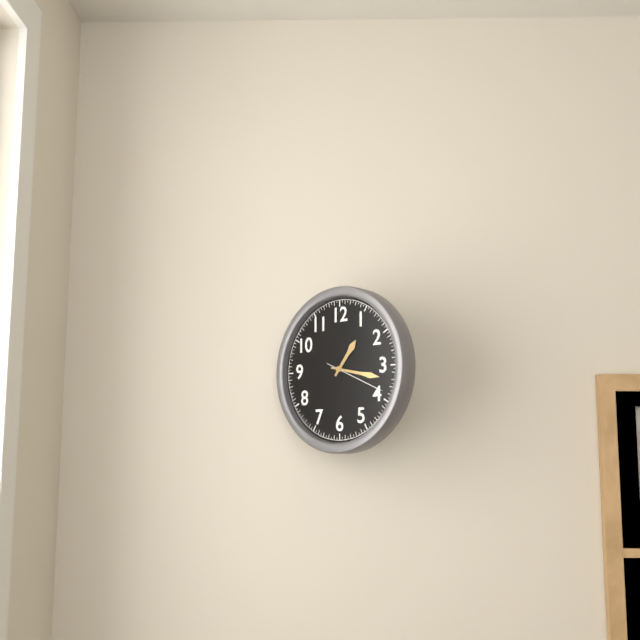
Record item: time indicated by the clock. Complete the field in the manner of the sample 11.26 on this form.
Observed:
1.17
